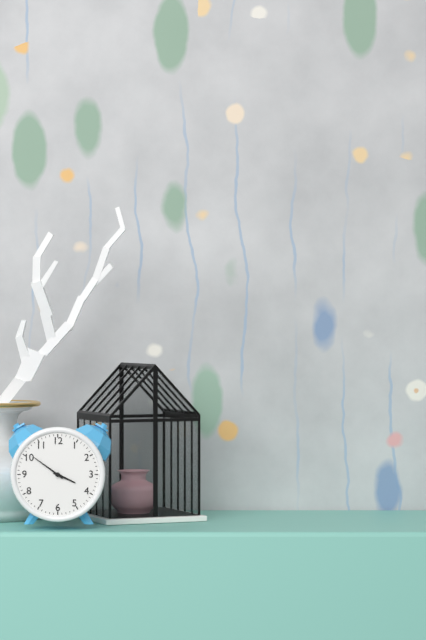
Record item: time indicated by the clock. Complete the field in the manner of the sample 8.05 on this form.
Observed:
3.51
